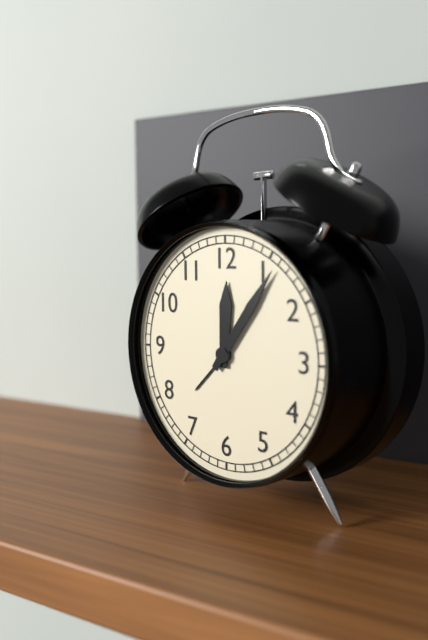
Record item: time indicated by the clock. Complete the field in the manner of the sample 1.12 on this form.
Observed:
12.06
